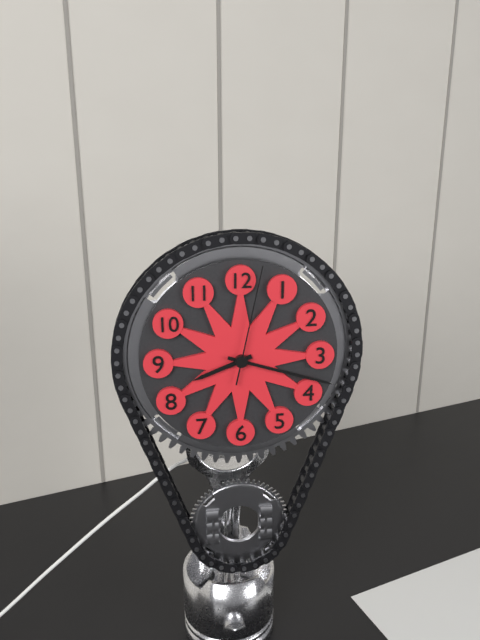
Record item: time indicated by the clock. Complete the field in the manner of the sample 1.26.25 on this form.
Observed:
8.18.02
